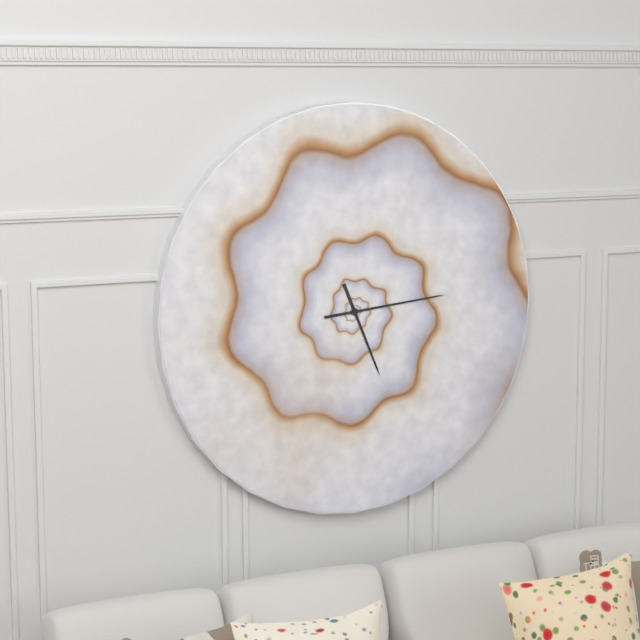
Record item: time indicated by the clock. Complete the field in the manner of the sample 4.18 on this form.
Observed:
5.14
